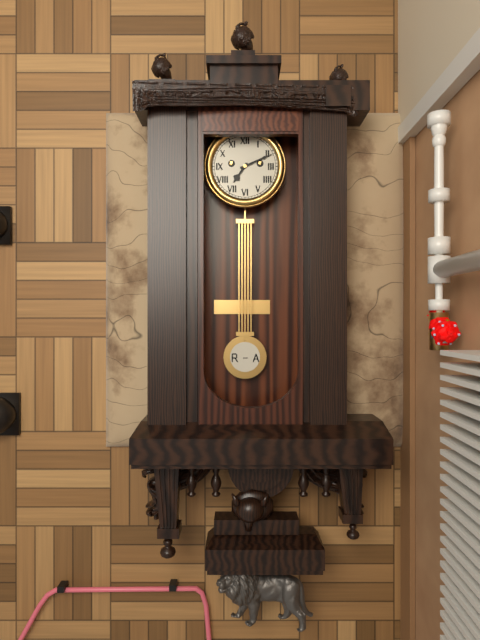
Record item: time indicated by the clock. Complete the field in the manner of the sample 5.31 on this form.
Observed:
7.11
